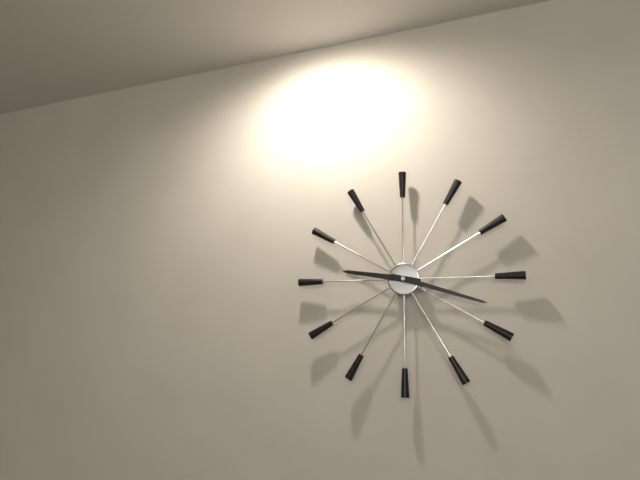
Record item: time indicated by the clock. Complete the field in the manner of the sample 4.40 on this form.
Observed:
9.18
